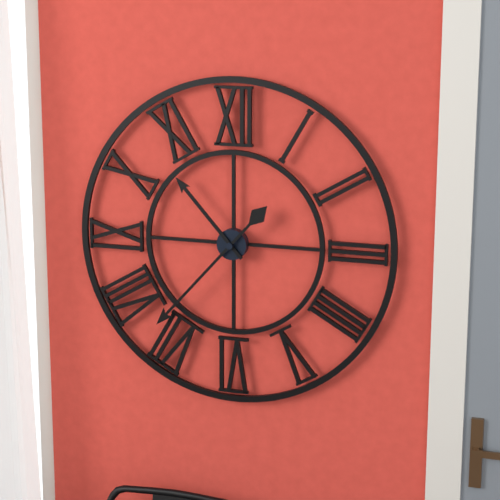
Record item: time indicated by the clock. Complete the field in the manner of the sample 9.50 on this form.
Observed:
10.37
